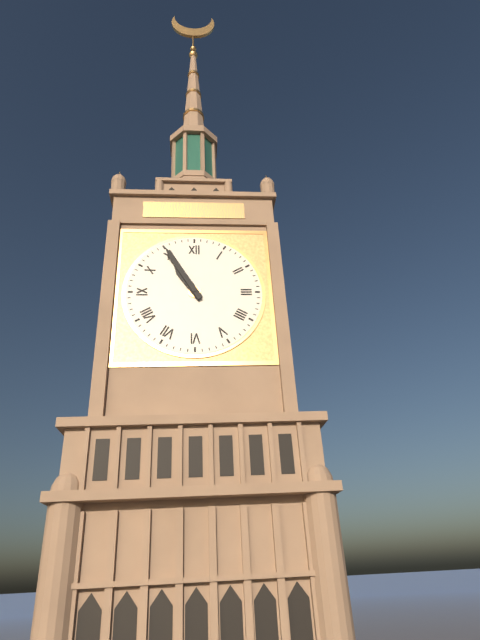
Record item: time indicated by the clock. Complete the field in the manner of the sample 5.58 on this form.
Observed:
10.55
